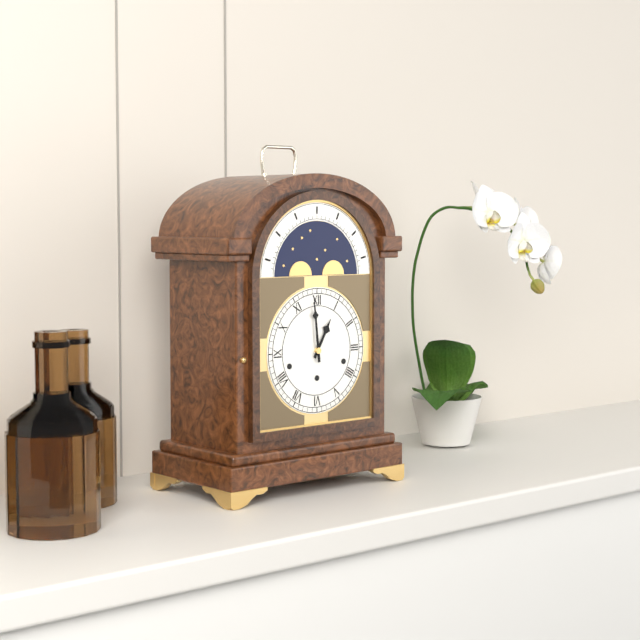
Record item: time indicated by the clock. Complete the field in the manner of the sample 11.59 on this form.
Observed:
12.59
